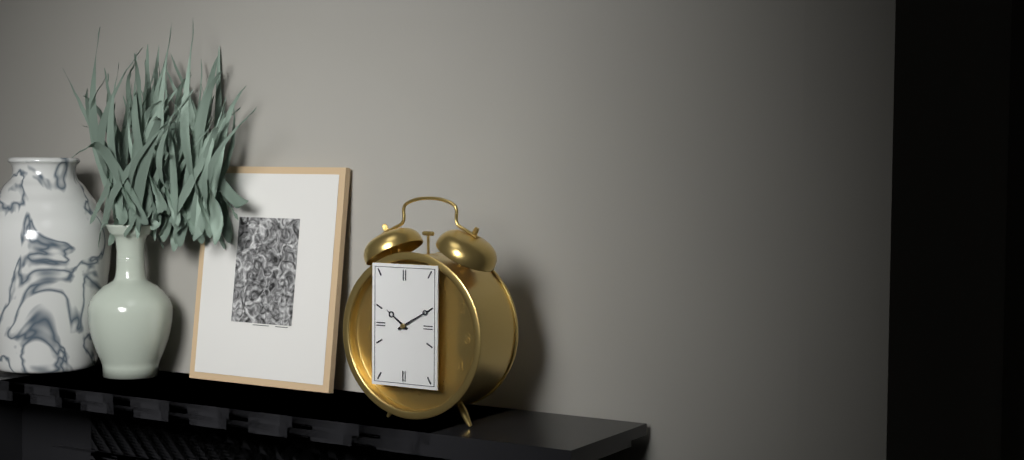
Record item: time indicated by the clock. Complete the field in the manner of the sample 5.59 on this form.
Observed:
10.10
